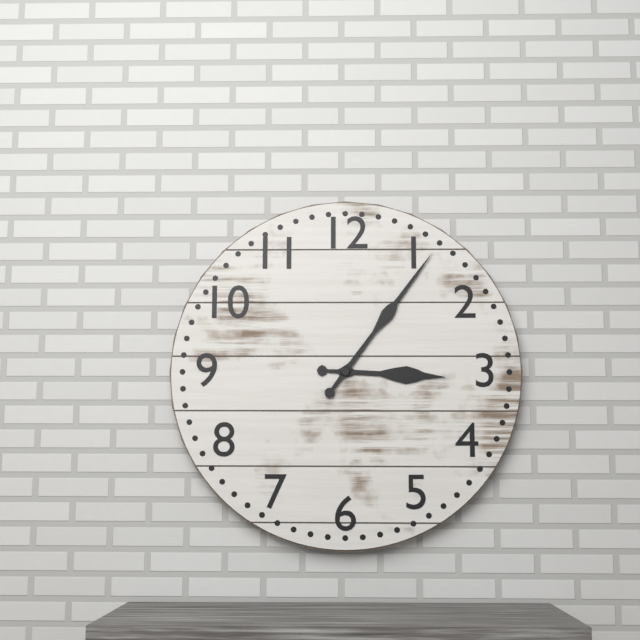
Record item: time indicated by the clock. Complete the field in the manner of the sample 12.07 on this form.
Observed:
3.06
